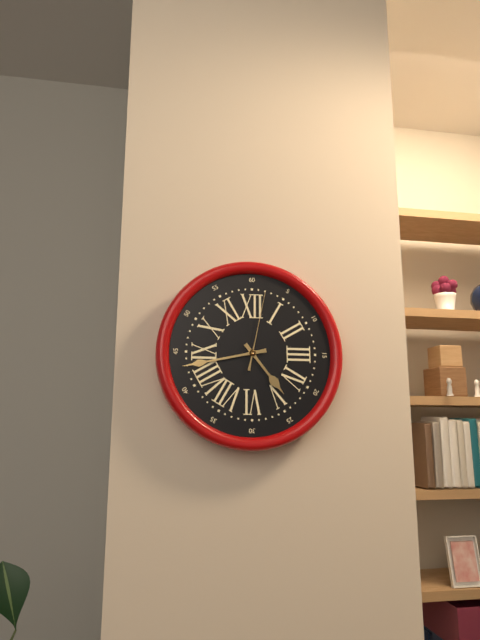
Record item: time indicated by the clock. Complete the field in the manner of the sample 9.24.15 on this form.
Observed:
4.43.02
